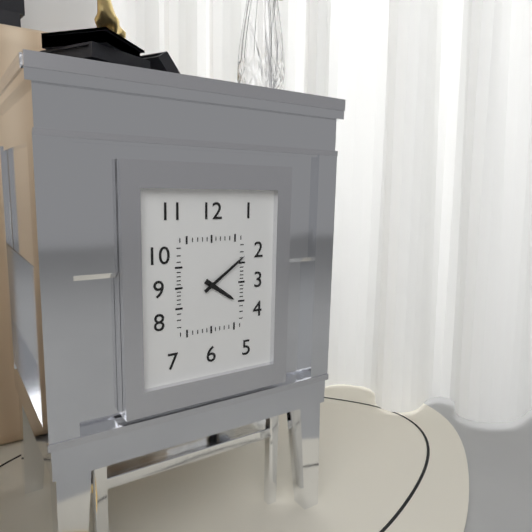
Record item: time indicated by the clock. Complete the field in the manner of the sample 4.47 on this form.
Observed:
4.09
